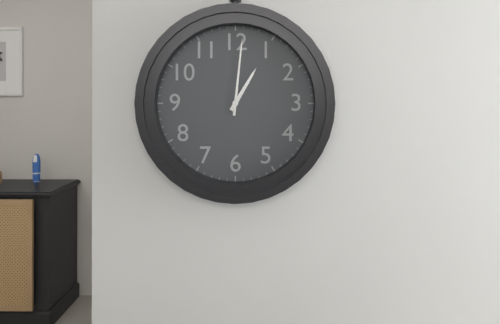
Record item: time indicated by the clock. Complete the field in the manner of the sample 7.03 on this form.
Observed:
1.01
